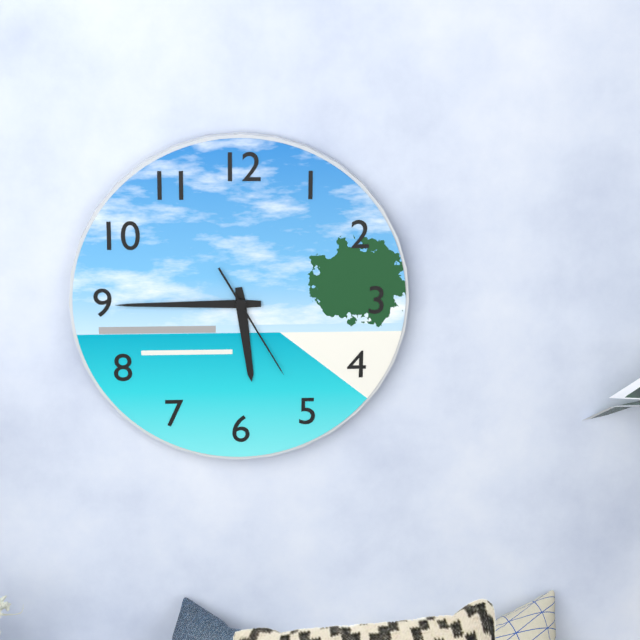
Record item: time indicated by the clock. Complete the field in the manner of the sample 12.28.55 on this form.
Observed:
5.45.25
